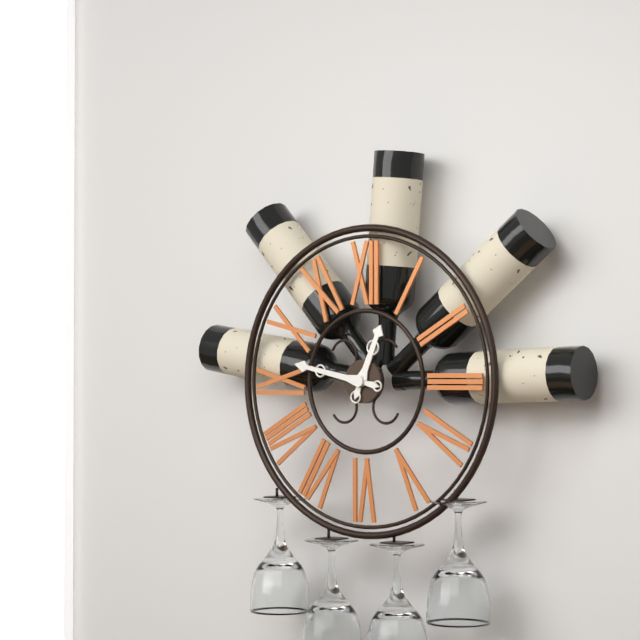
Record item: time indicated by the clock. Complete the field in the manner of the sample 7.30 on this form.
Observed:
12.47
